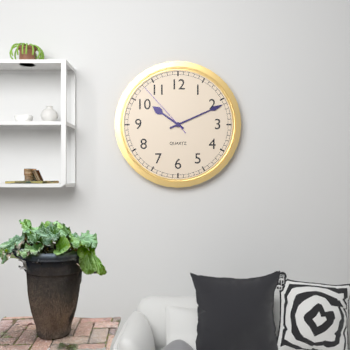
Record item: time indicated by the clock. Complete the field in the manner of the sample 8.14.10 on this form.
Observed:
10.11.53
